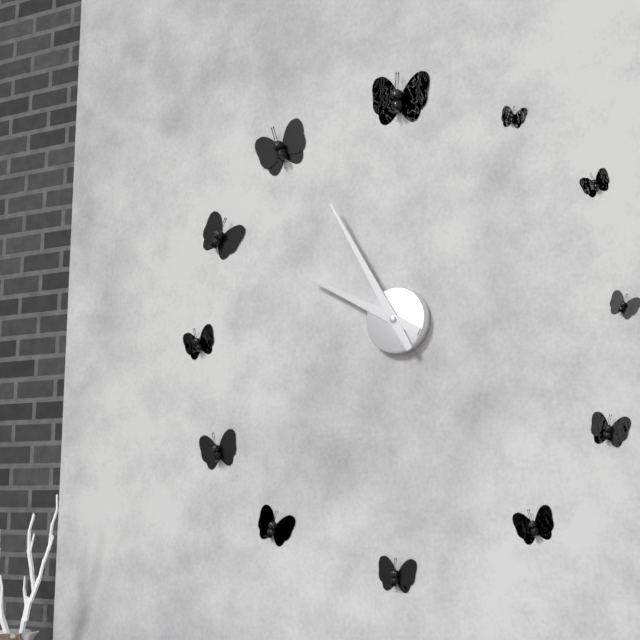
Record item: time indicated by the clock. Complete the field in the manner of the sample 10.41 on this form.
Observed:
9.55
